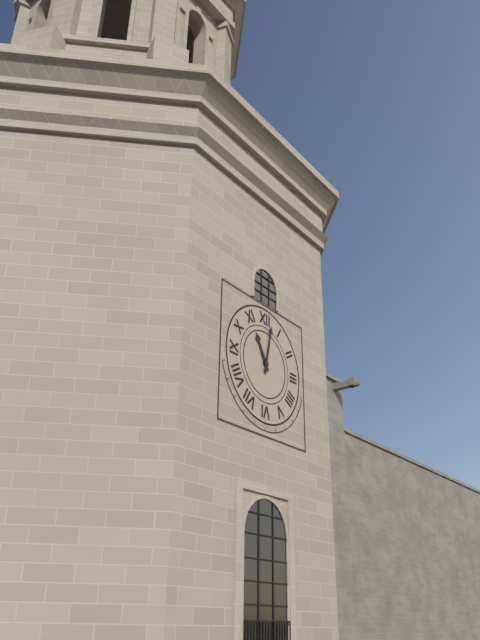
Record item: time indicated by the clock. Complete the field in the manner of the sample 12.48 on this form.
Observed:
11.02
